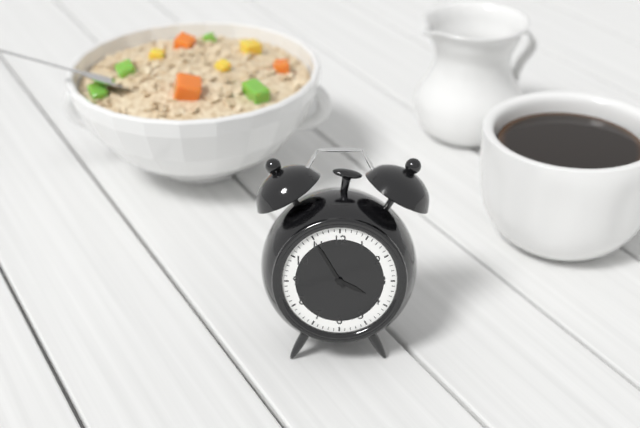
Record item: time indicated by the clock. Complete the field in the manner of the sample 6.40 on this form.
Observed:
3.55
